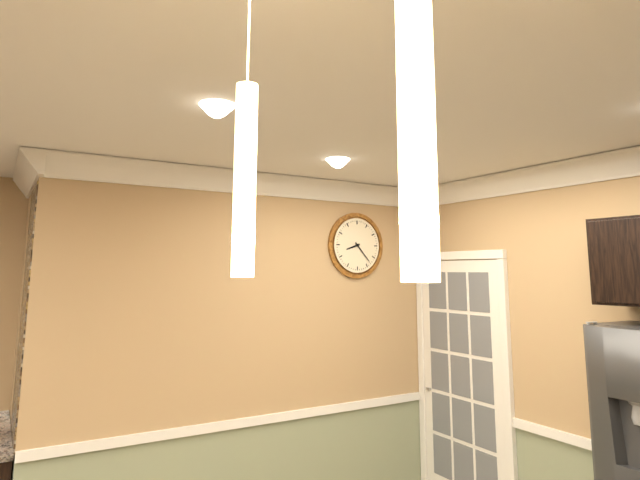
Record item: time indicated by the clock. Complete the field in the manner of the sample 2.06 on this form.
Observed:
8.23
